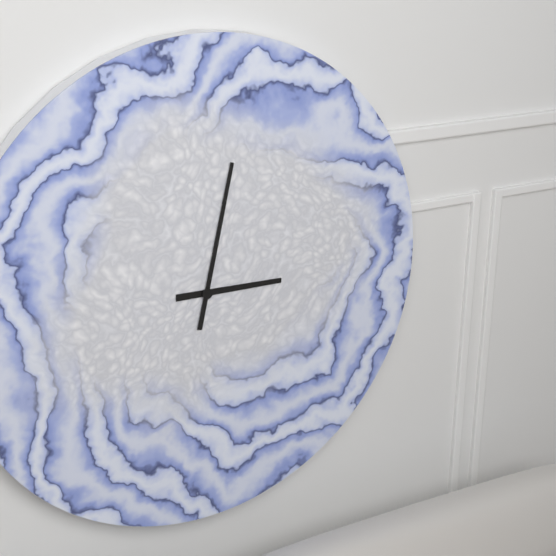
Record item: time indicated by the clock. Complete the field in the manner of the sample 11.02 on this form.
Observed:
3.02
